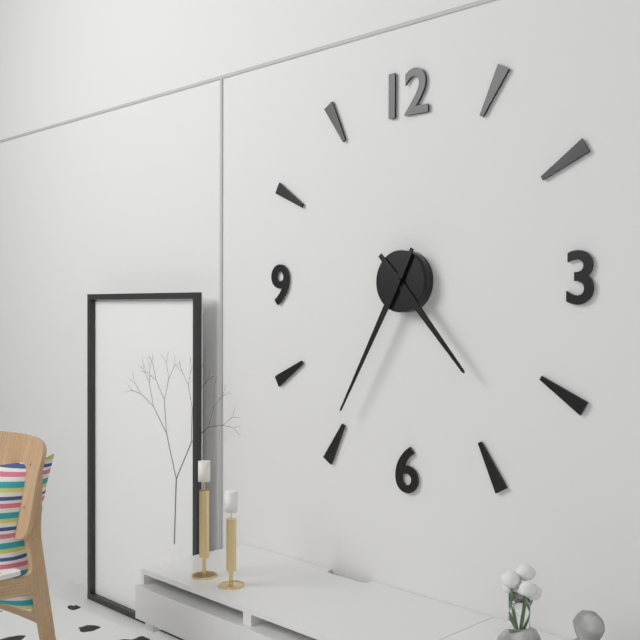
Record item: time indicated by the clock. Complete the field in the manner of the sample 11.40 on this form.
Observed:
4.35
